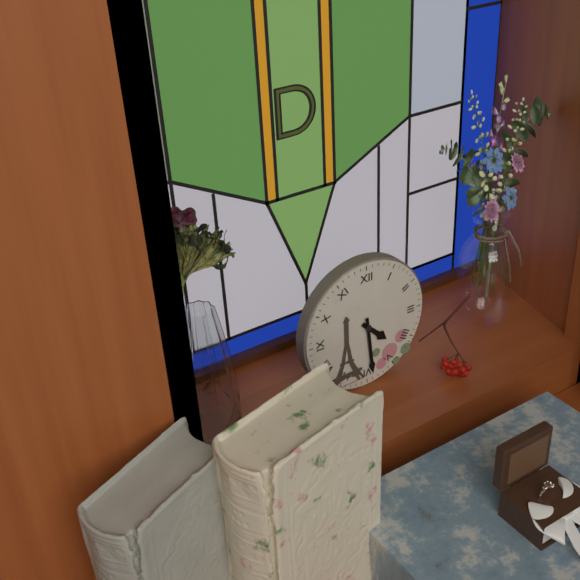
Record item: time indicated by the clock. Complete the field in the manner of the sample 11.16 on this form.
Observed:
4.29
